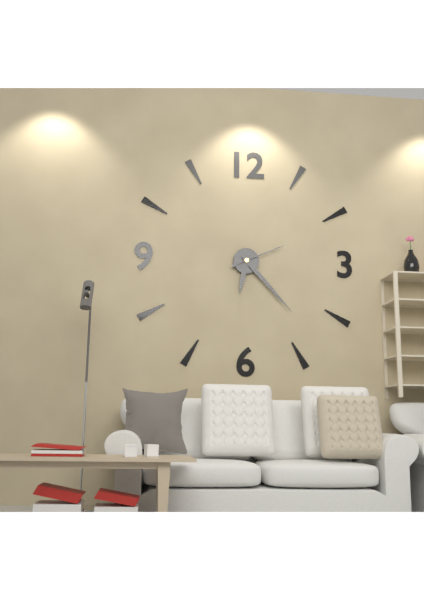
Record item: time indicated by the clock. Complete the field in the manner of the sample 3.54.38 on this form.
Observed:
6.23.11
